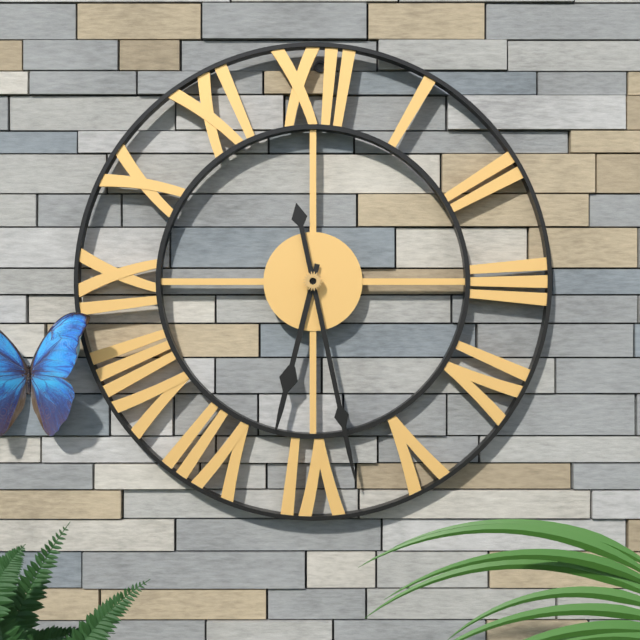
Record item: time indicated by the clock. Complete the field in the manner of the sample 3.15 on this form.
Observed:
6.28
